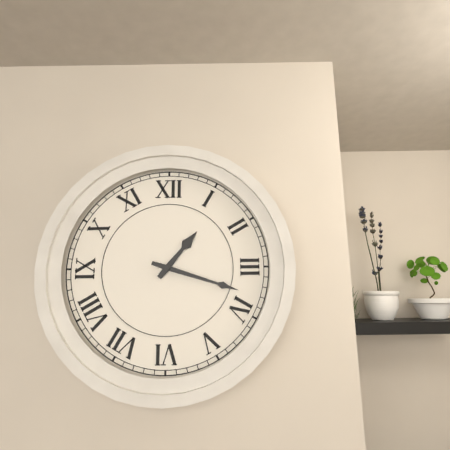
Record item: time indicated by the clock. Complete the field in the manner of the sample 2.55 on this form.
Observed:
1.18
